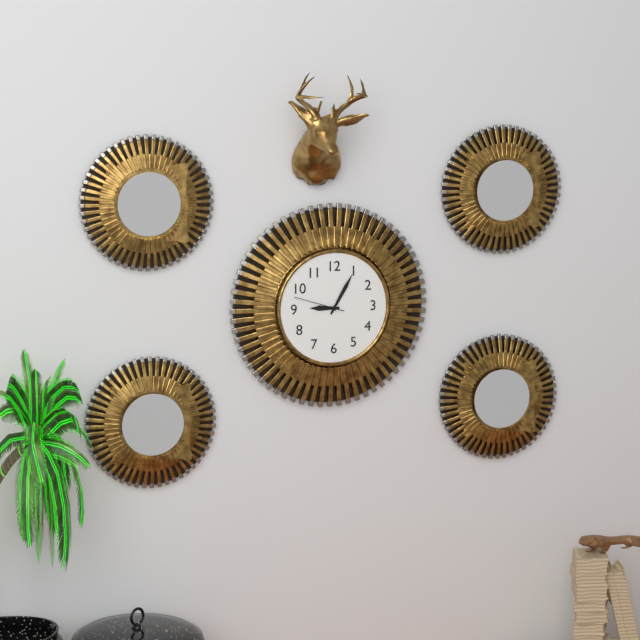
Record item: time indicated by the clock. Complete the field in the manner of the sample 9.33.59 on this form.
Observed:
9.05.48
